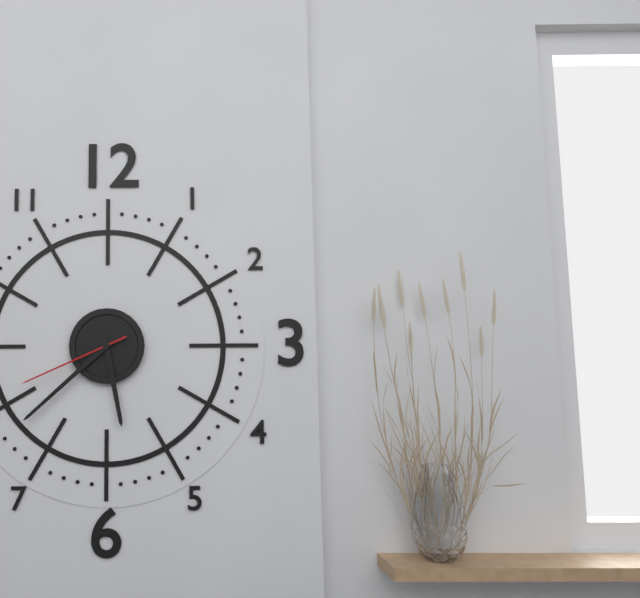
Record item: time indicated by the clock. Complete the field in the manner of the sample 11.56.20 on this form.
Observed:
5.38.41
